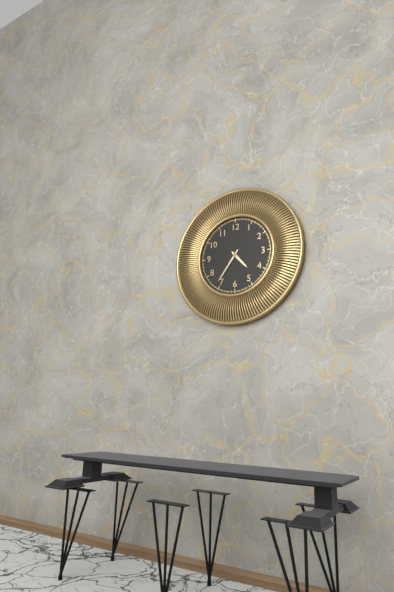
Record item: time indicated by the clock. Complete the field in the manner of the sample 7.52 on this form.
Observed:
4.36
